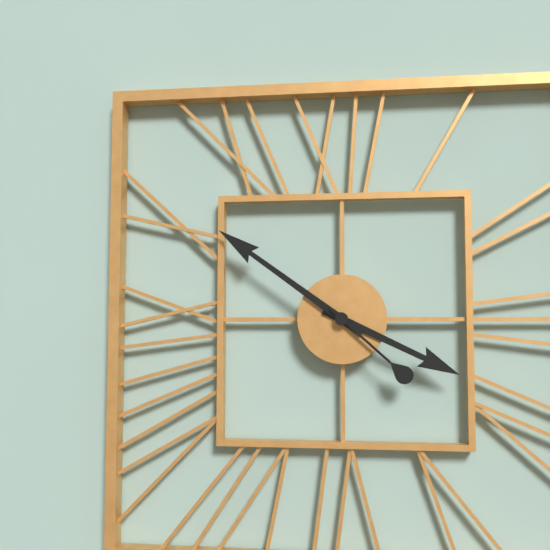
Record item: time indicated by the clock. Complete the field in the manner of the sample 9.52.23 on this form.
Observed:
3.51.22
